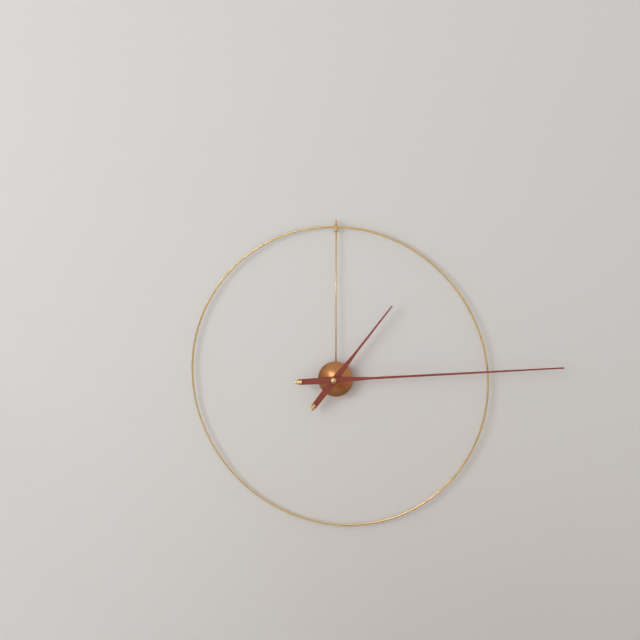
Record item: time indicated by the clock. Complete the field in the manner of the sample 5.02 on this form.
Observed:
1.14
